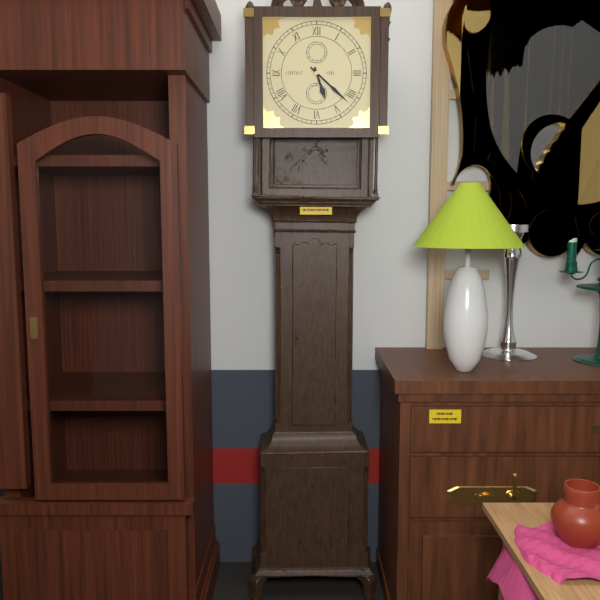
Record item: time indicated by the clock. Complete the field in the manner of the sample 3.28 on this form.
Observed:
5.22
